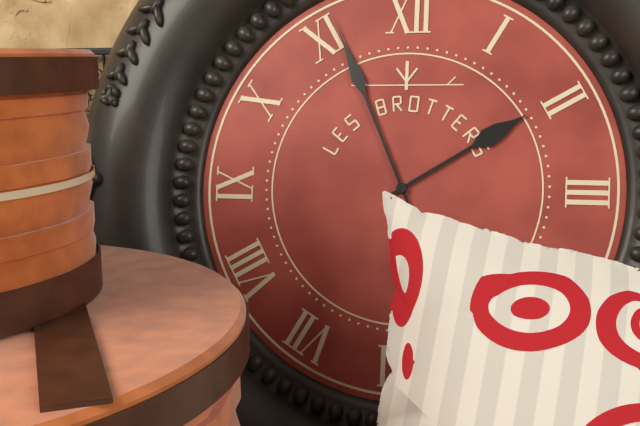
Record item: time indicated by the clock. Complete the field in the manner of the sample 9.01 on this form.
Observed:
1.56
